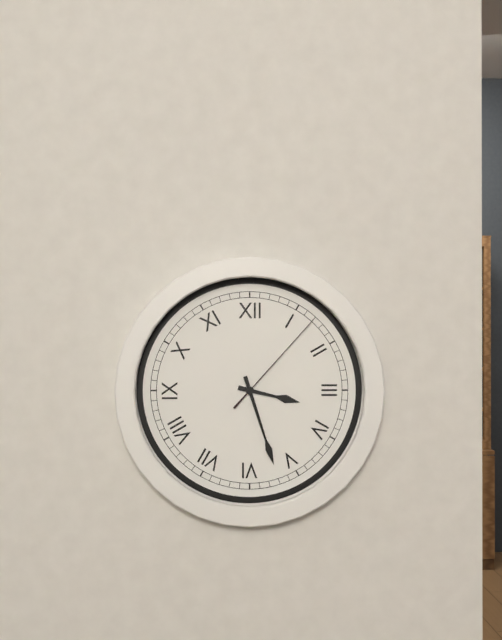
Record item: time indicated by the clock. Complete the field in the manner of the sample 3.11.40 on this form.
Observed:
3.27.07
